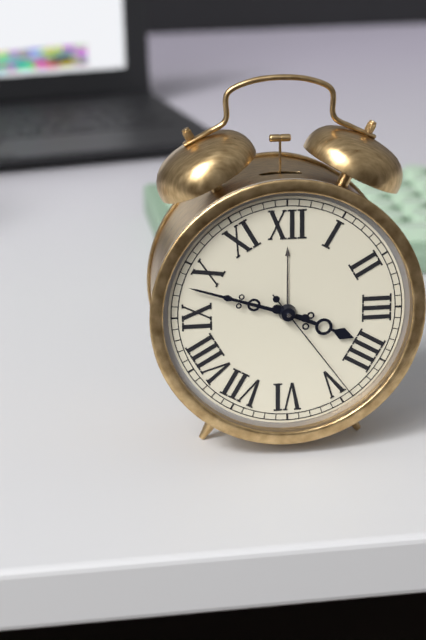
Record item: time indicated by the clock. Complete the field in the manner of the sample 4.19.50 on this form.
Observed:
3.48.24
